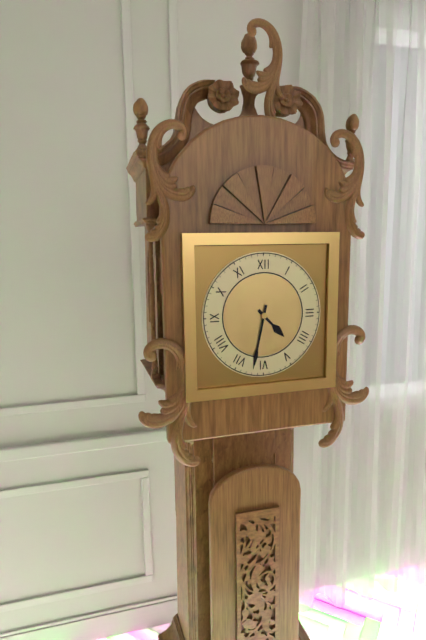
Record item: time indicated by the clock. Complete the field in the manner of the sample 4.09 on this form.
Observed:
4.32
